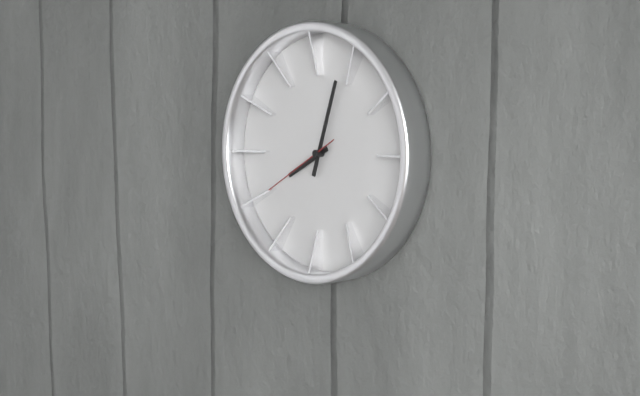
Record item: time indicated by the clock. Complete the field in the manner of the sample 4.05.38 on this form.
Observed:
8.03.40
